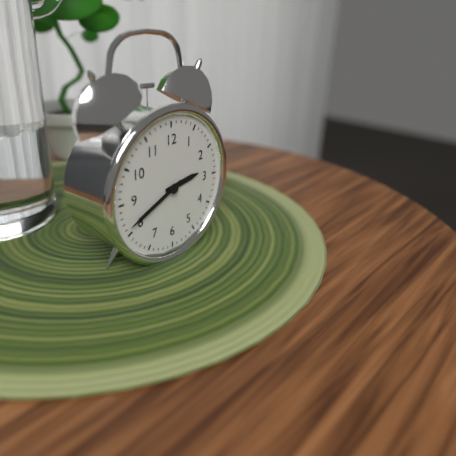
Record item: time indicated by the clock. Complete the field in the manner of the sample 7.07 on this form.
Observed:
2.41
